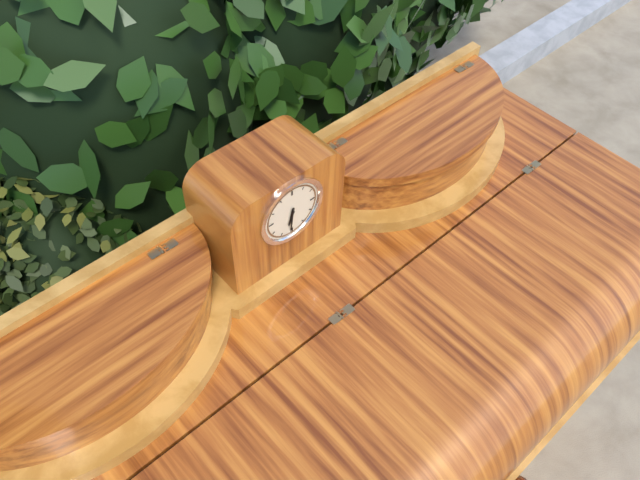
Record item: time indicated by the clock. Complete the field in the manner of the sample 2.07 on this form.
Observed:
6.31
